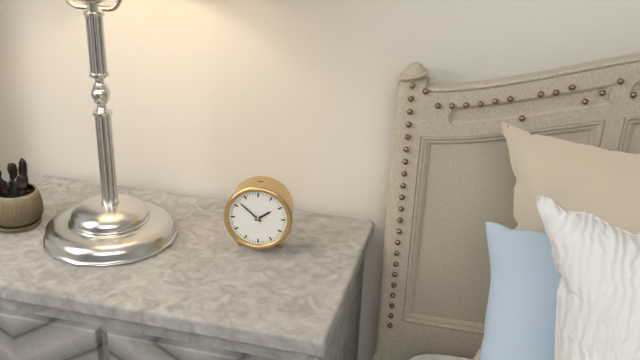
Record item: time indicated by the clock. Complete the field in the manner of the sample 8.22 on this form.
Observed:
1.52
